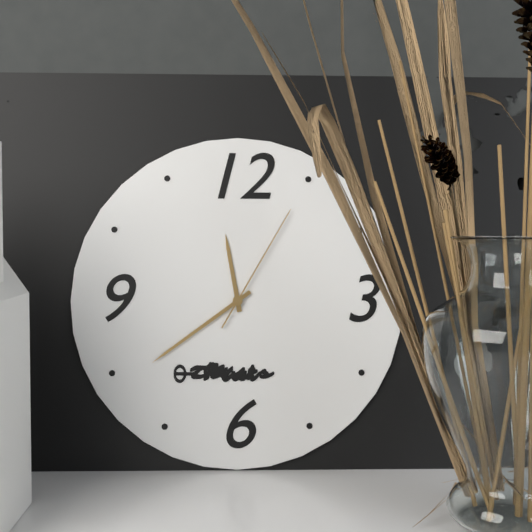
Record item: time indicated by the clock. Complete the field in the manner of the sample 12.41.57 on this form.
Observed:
11.39.05
